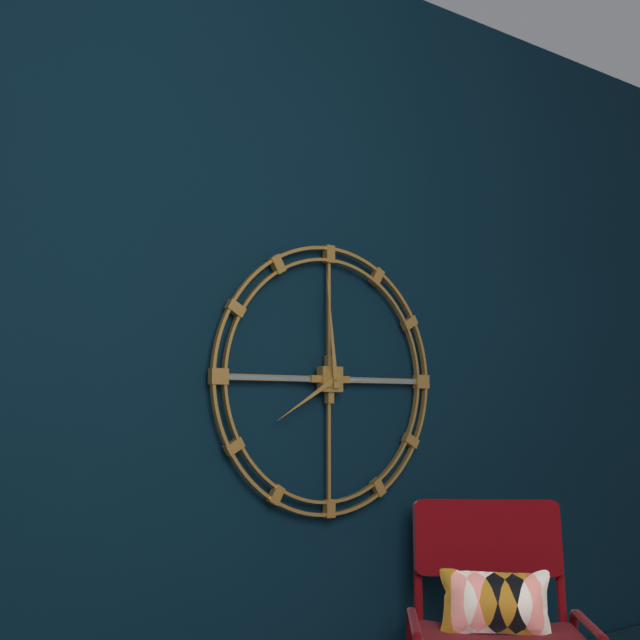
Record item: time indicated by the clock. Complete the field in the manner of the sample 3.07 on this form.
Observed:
7.59
